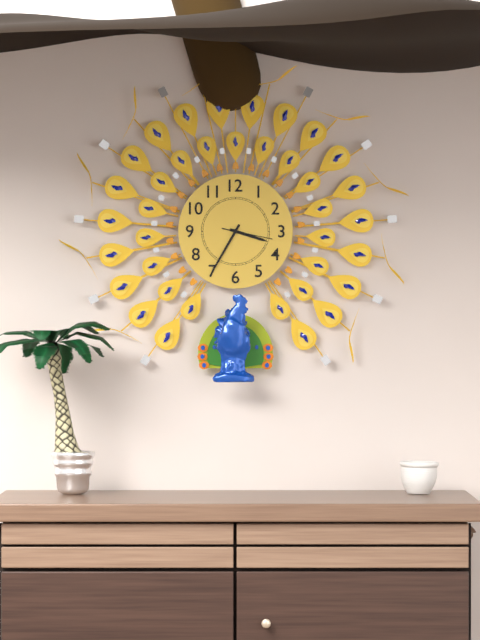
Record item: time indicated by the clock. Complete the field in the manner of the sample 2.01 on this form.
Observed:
3.35
